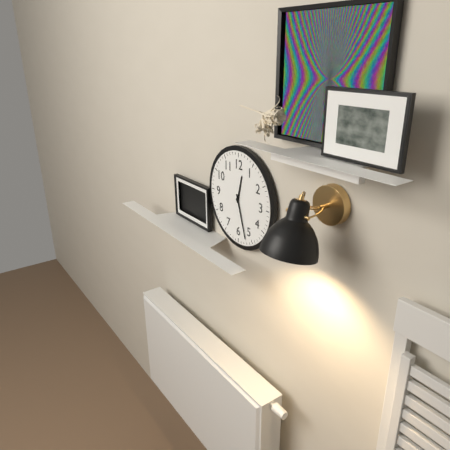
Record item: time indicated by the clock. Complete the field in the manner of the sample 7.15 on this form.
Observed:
12.27
